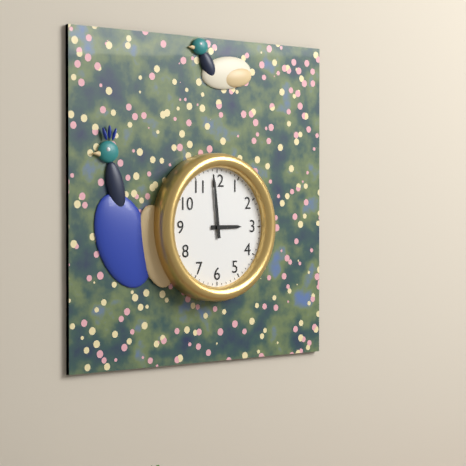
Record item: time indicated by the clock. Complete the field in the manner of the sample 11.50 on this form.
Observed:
2.59
